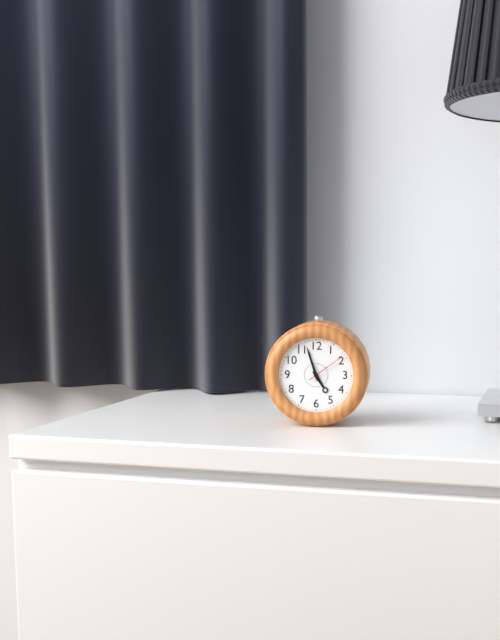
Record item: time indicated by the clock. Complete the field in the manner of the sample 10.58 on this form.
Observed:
4.57
